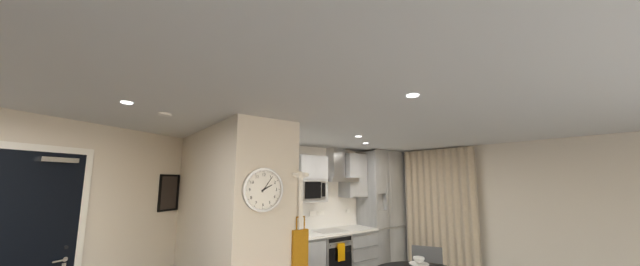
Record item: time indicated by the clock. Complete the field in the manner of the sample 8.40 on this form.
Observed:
2.06
